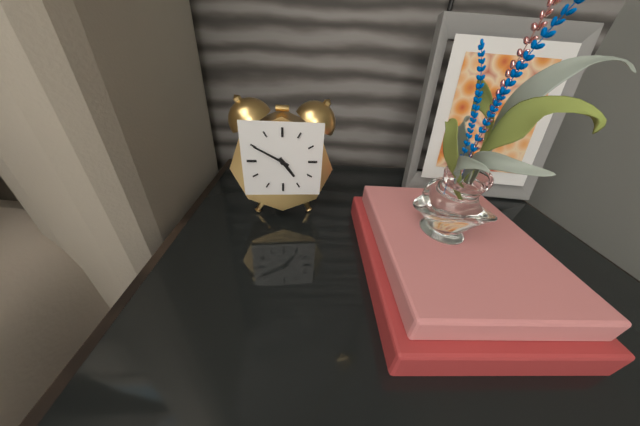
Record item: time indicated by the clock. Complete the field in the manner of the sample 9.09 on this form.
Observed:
4.50
